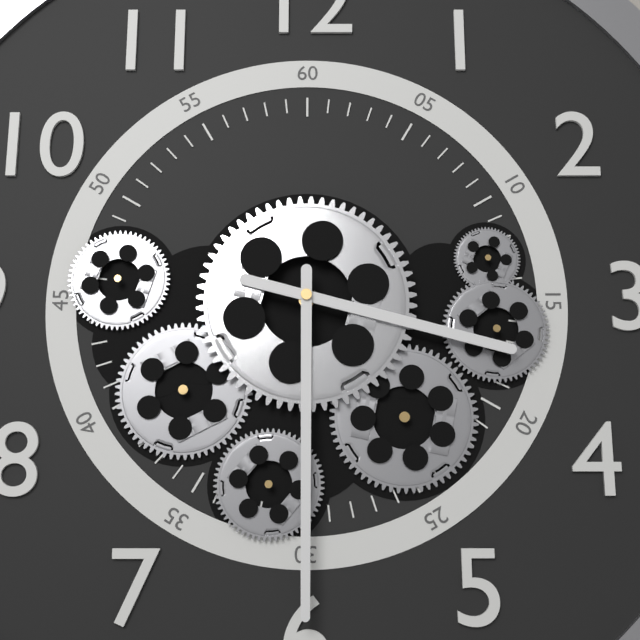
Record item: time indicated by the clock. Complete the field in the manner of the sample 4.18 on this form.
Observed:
3.30
